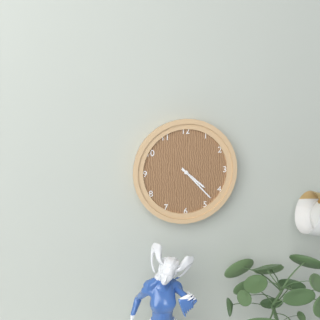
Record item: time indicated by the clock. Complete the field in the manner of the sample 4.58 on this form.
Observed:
4.23
